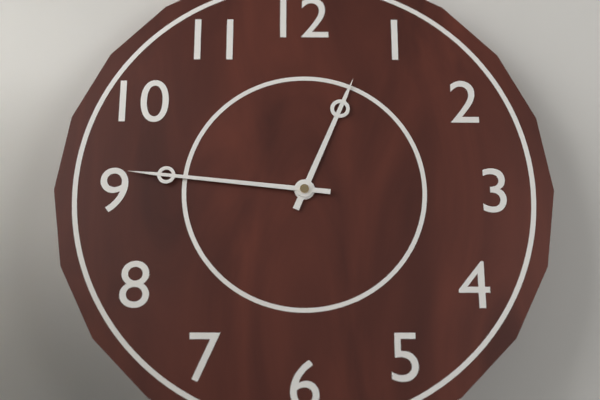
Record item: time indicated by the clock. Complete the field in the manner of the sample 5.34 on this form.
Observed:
12.46
